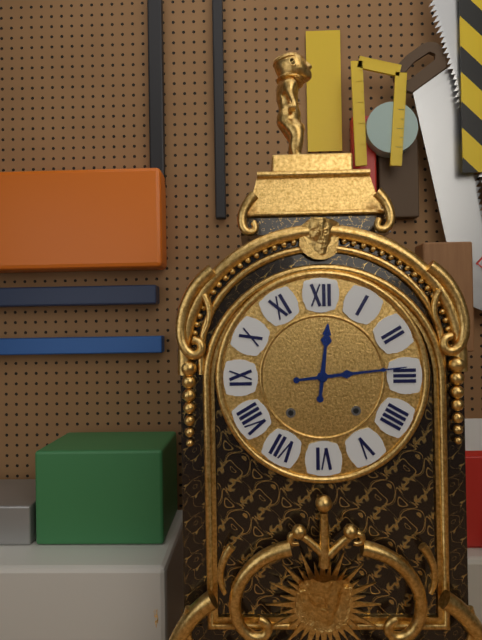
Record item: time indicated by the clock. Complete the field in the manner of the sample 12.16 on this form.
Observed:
12.14
